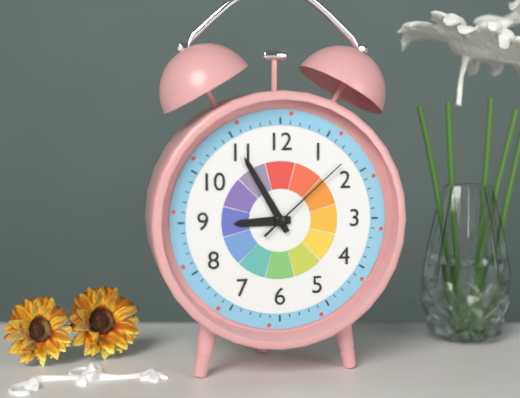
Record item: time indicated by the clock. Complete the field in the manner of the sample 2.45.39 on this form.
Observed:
8.55.08
